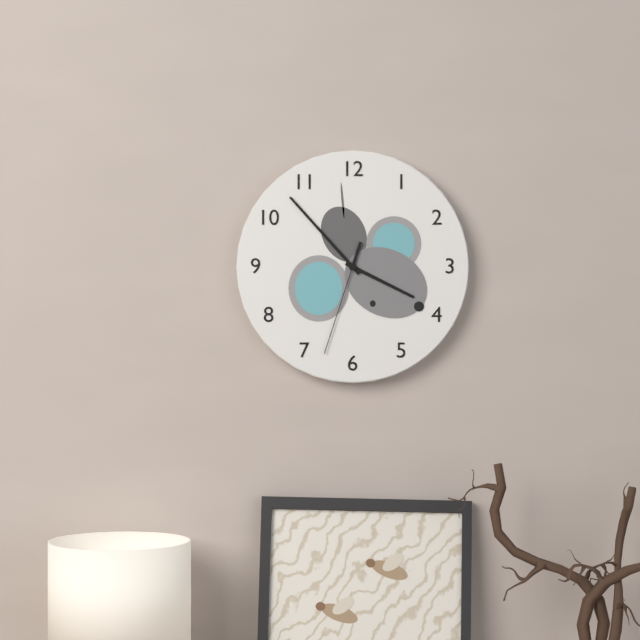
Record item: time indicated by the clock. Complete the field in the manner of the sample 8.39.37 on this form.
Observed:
3.53.33
